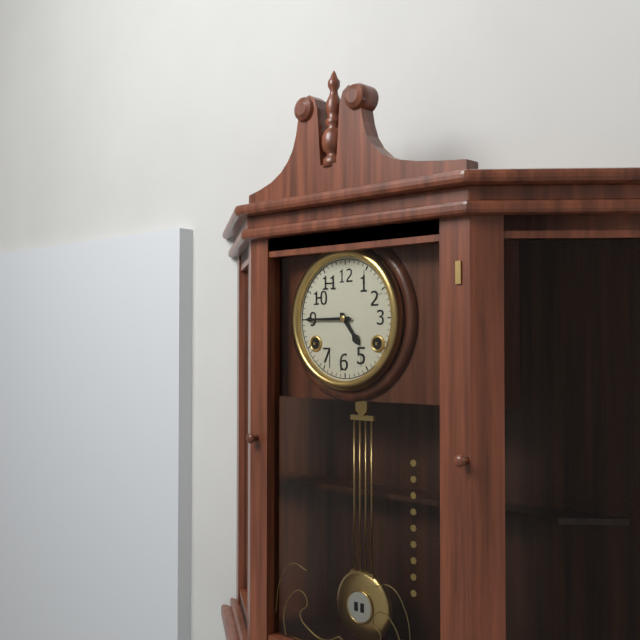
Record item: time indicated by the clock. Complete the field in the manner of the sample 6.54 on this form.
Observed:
4.45
